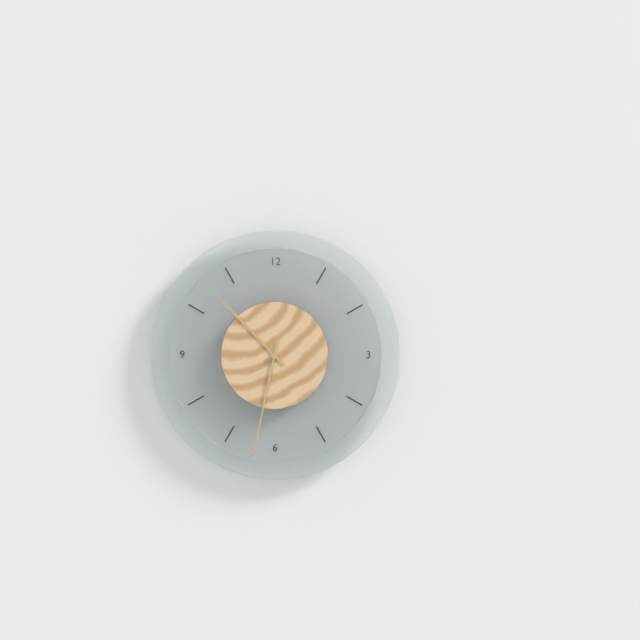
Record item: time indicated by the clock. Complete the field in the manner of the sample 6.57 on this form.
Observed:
10.32
